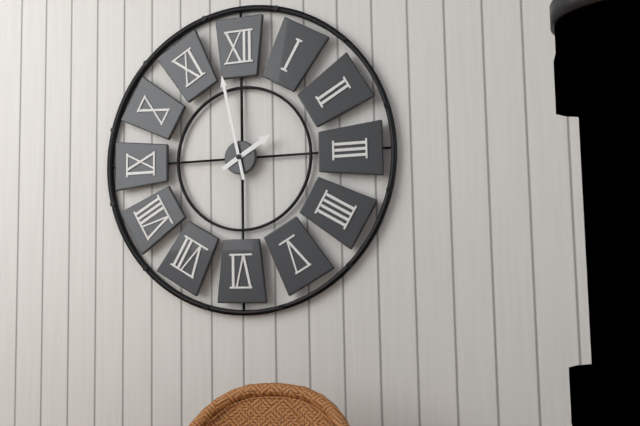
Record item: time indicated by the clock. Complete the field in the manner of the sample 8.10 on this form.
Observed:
1.58
